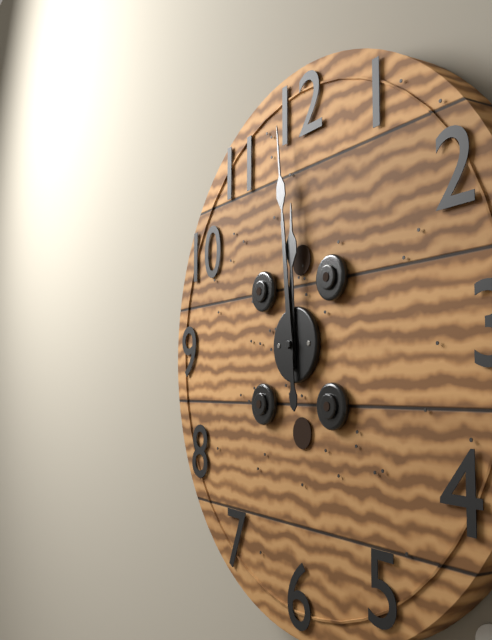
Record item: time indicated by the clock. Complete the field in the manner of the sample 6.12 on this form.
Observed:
11.59
